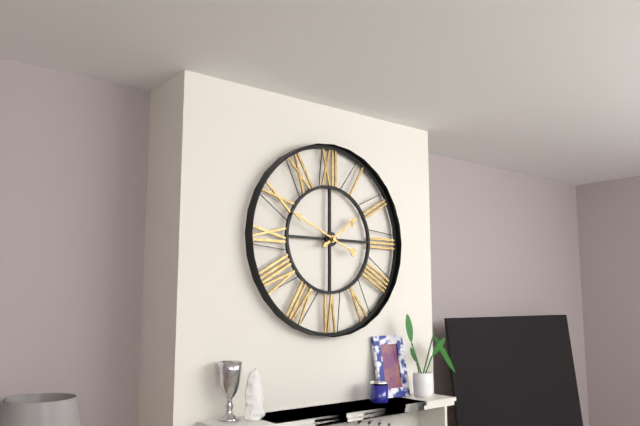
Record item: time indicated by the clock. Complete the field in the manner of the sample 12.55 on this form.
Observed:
1.49
